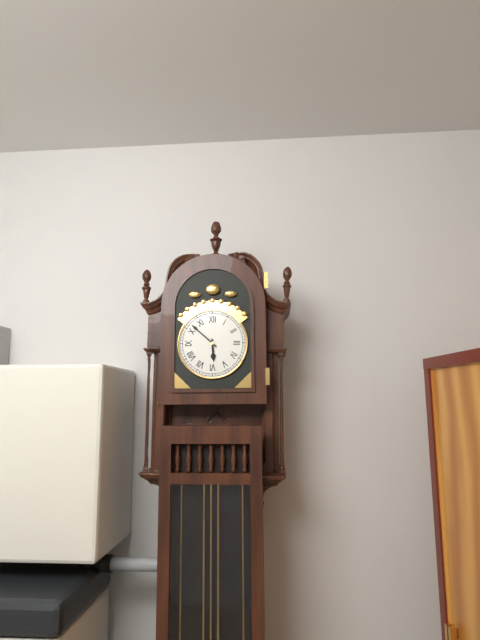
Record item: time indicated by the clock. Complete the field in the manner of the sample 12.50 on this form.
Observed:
5.52
